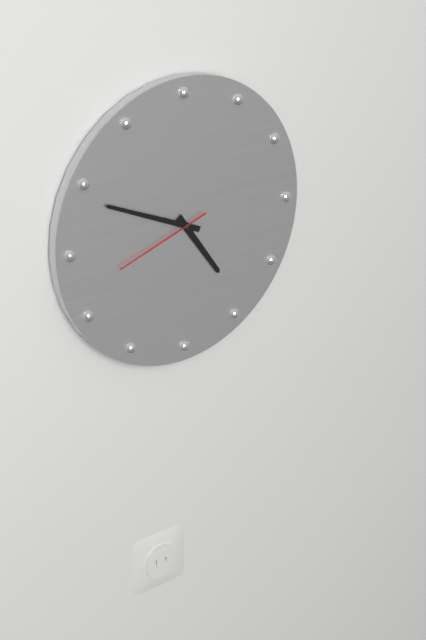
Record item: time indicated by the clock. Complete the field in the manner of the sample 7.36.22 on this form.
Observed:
4.49.42
